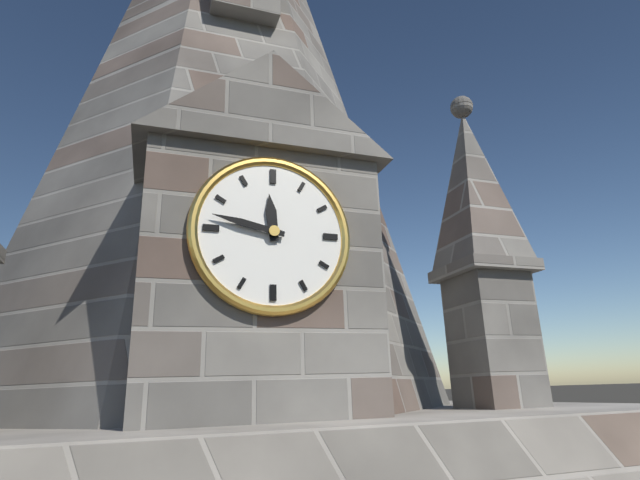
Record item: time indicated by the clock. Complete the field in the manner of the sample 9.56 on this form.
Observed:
11.47
